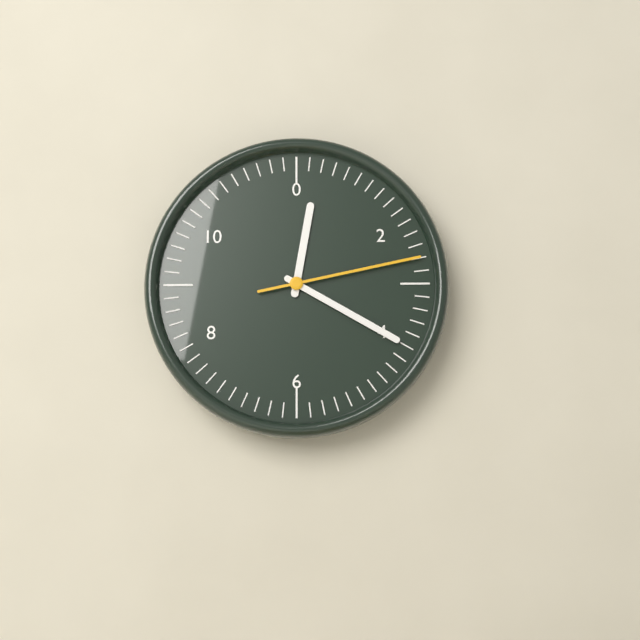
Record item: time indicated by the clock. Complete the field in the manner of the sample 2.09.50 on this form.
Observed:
12.20.13
